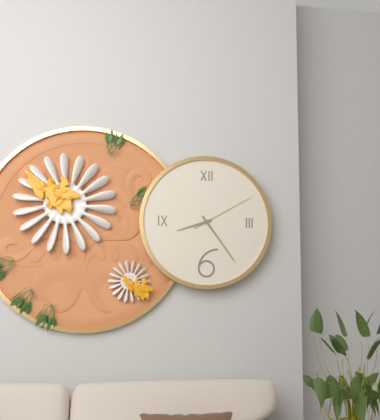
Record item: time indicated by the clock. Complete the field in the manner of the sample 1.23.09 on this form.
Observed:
8.24.10
